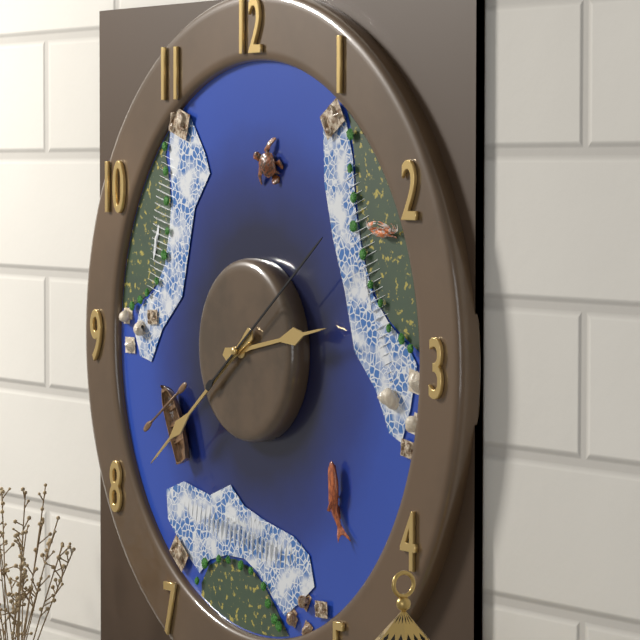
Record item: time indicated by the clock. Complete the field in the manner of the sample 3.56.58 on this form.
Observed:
2.39.09
